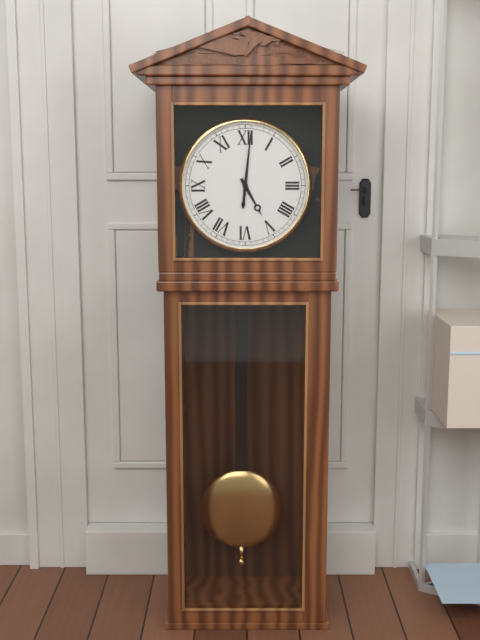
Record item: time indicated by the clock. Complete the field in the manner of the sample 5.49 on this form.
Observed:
5.01
